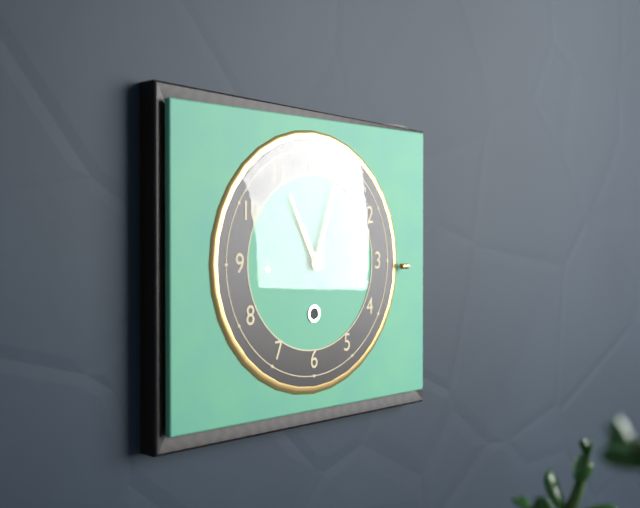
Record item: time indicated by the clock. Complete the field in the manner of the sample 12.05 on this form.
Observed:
11.03
